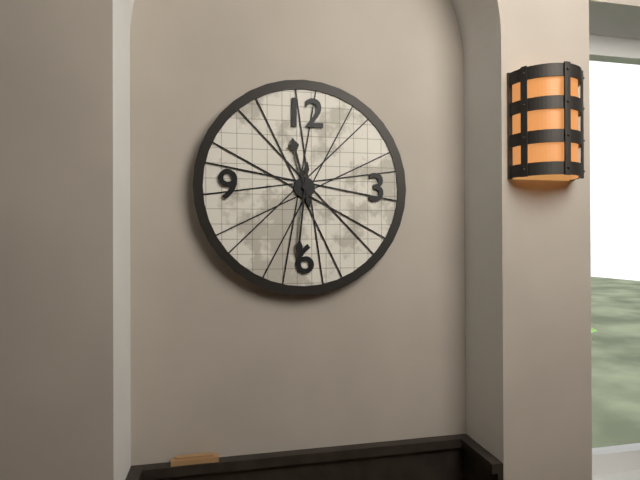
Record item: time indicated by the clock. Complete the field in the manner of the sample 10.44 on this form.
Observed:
11.31
